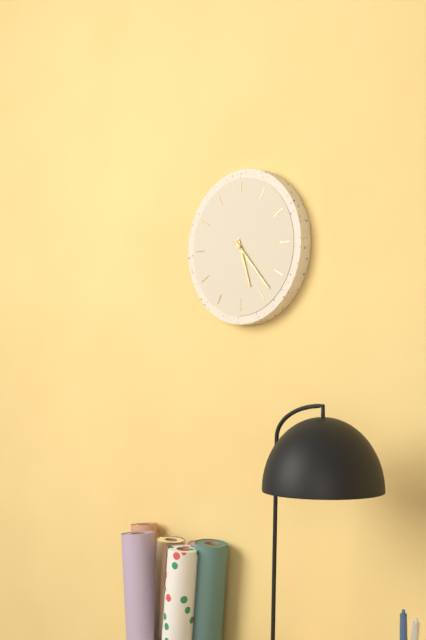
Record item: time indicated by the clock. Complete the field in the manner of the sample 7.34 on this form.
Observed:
5.23
